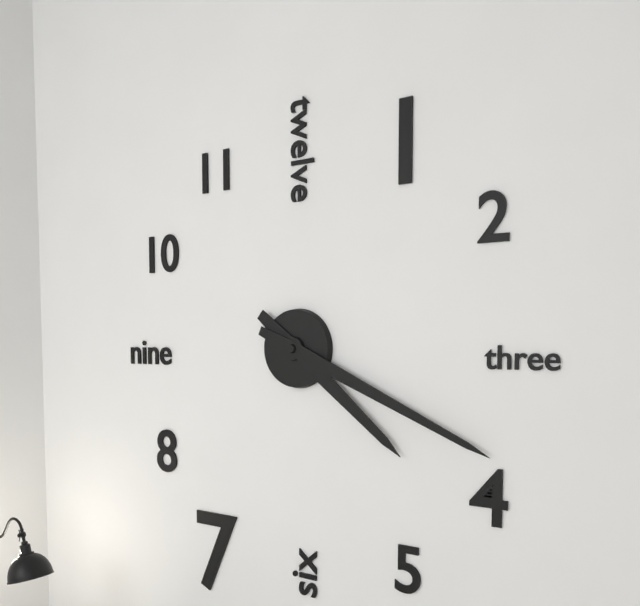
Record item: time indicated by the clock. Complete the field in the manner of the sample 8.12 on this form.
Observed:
4.19
